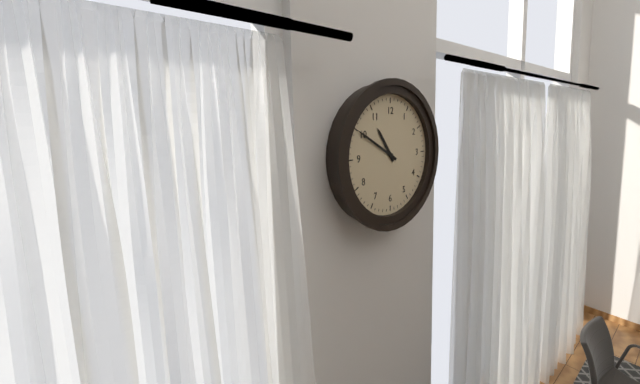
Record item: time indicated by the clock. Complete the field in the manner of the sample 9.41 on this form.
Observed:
10.50
